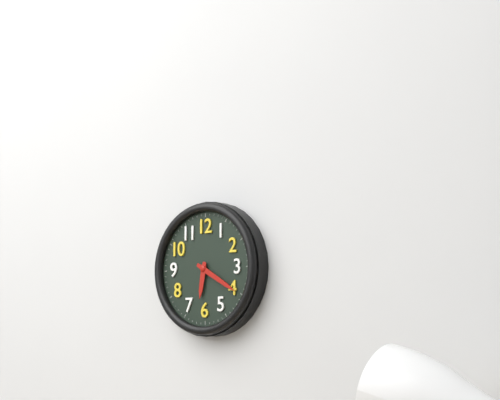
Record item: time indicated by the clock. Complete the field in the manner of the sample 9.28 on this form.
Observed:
6.20
